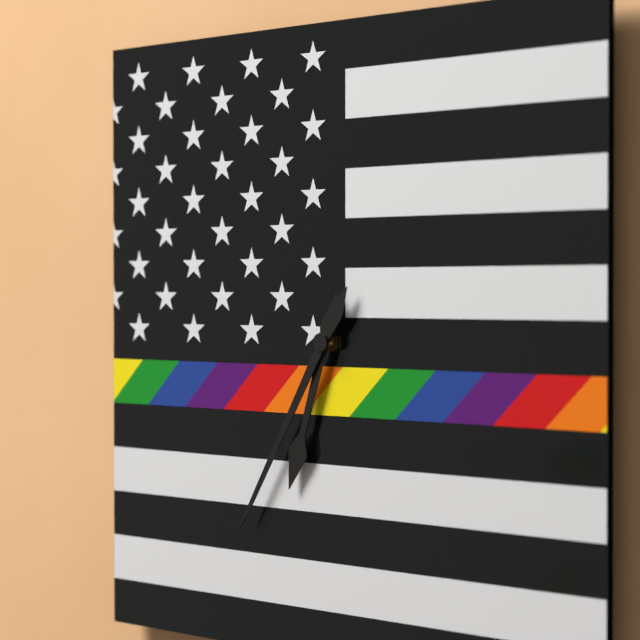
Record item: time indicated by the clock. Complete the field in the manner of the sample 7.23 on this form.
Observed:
6.35
